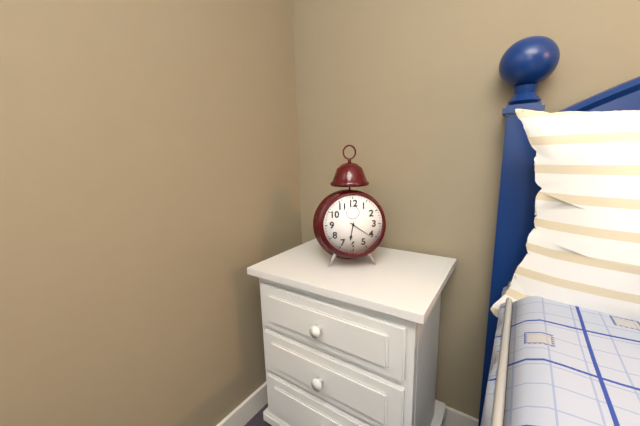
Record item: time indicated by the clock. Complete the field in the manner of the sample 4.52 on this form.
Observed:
6.21
